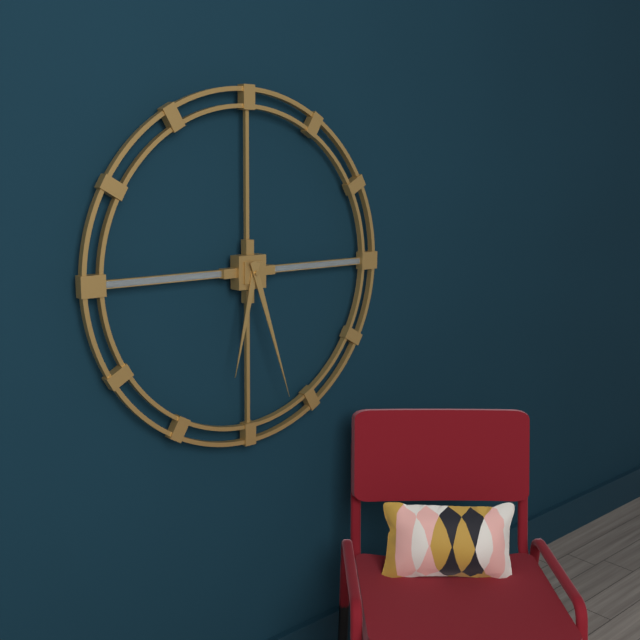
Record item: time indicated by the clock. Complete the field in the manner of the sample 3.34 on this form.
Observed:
6.27
